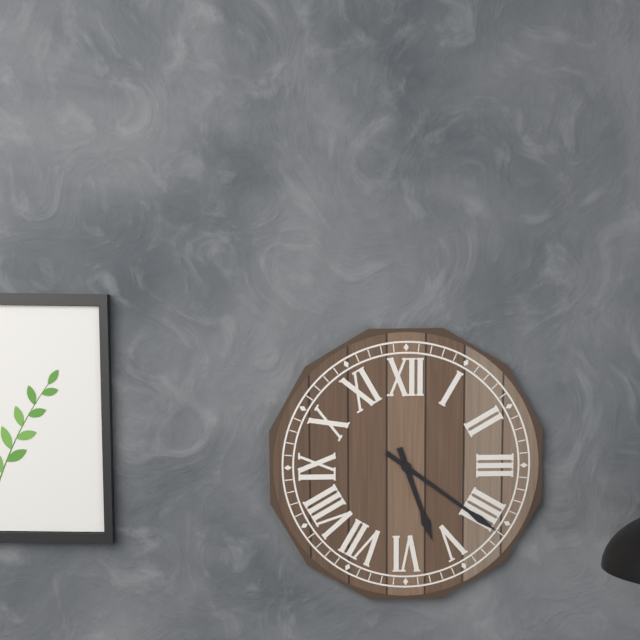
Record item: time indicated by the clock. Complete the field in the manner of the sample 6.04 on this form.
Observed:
5.21
